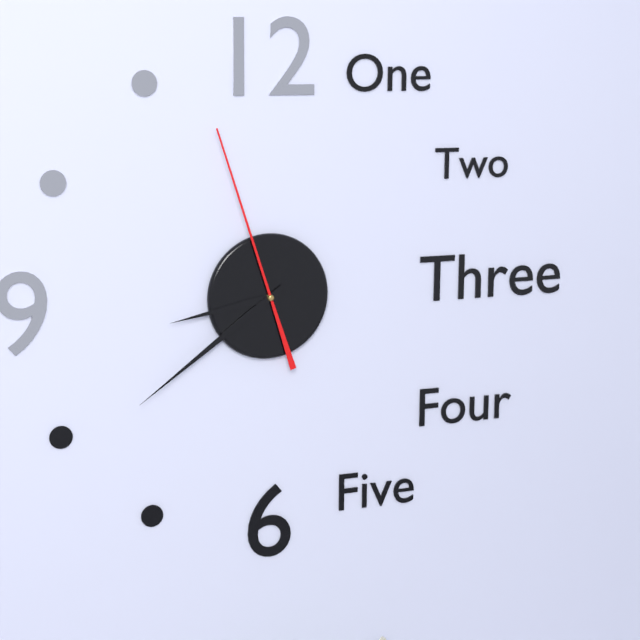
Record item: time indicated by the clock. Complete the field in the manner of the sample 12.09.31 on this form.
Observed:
8.39.57
